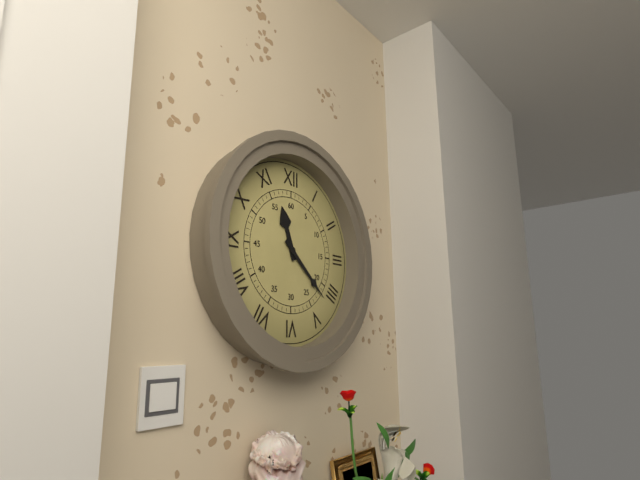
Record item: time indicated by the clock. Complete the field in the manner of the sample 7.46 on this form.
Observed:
11.22
